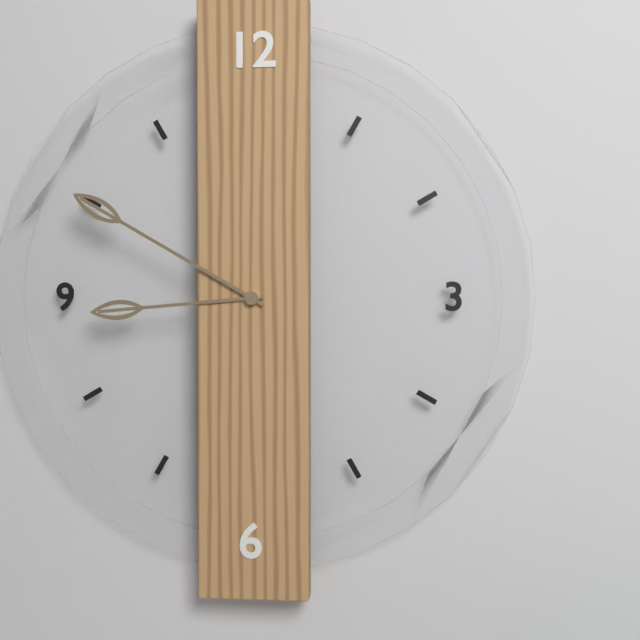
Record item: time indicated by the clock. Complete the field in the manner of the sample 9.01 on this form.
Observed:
8.50
